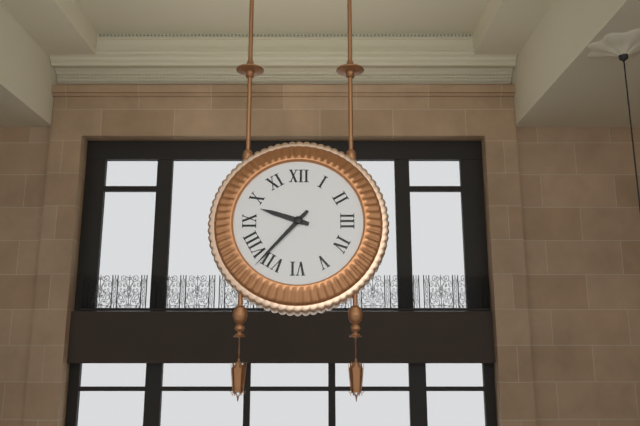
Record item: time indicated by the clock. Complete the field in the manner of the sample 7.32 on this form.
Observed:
9.37
